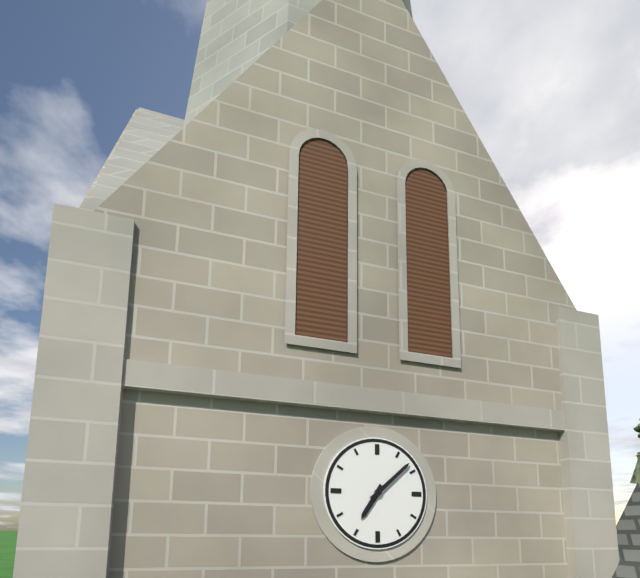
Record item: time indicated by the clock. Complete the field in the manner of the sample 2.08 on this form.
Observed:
7.08
